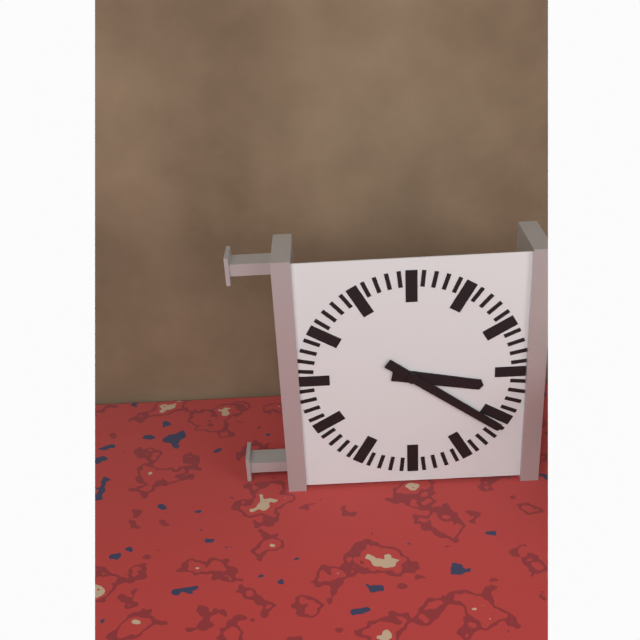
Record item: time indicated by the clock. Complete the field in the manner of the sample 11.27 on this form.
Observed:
3.21
